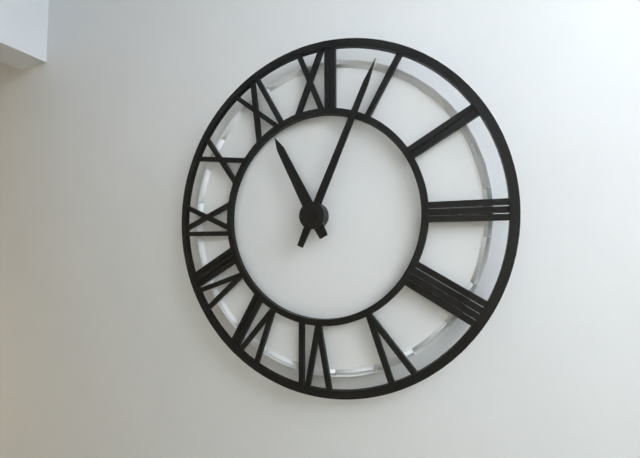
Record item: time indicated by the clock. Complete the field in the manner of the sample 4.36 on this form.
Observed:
11.04
